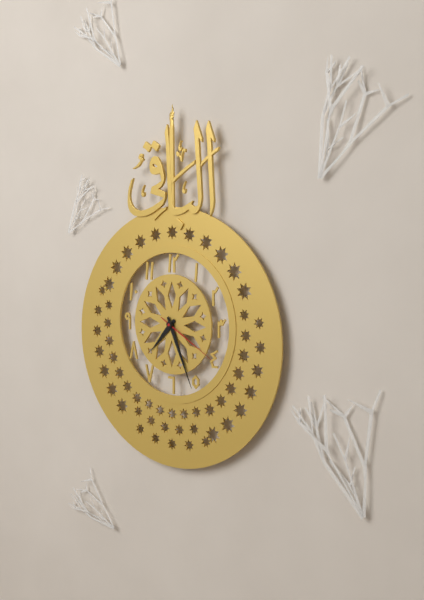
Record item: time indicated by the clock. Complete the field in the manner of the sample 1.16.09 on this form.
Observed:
7.26.20
